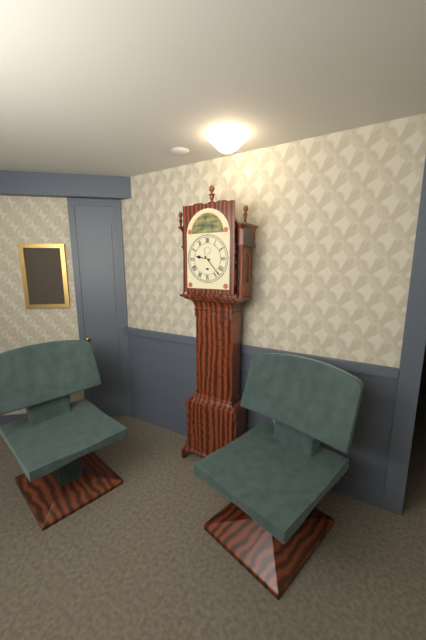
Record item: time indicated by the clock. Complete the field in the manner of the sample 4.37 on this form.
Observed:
9.23
